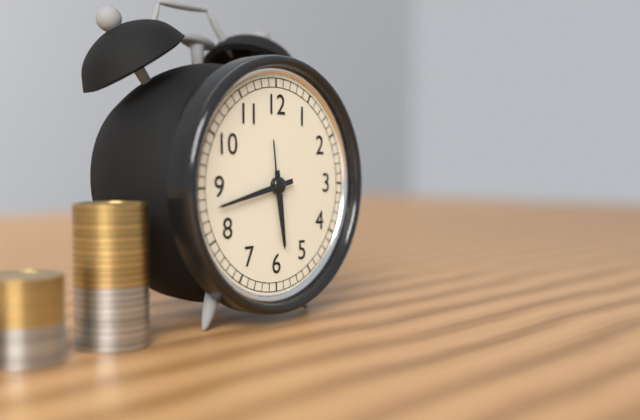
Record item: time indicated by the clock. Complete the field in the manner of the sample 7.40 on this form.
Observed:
5.43
